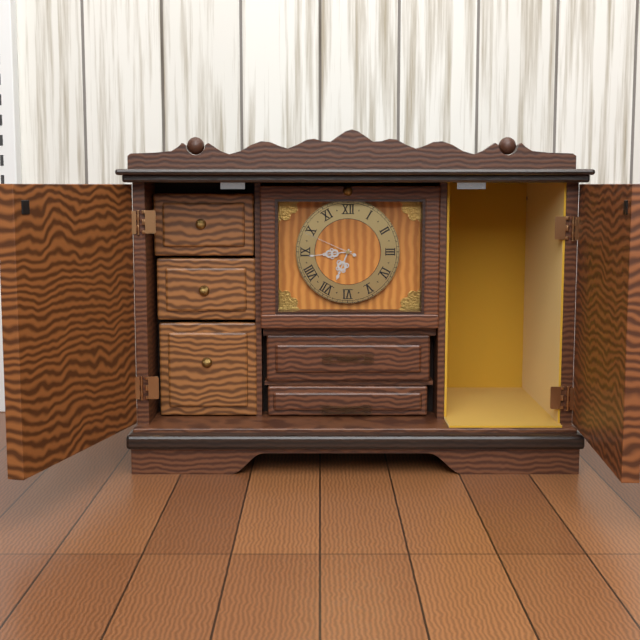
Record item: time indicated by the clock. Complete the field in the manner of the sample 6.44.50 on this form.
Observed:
6.44.49
